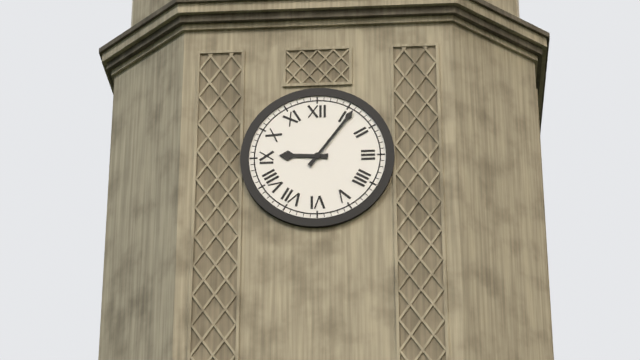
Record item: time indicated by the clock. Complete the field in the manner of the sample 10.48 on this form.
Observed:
9.06
